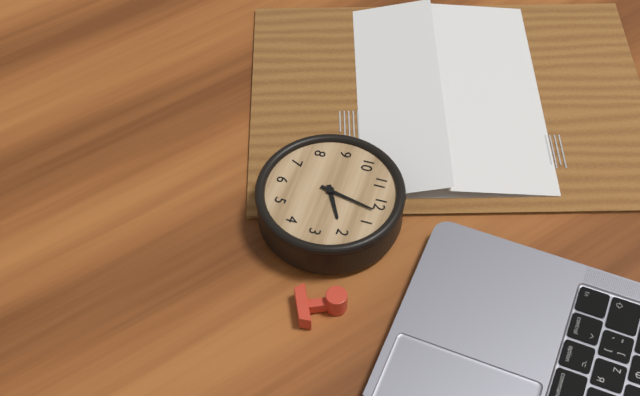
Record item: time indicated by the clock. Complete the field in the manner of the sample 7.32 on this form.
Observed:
2.02
